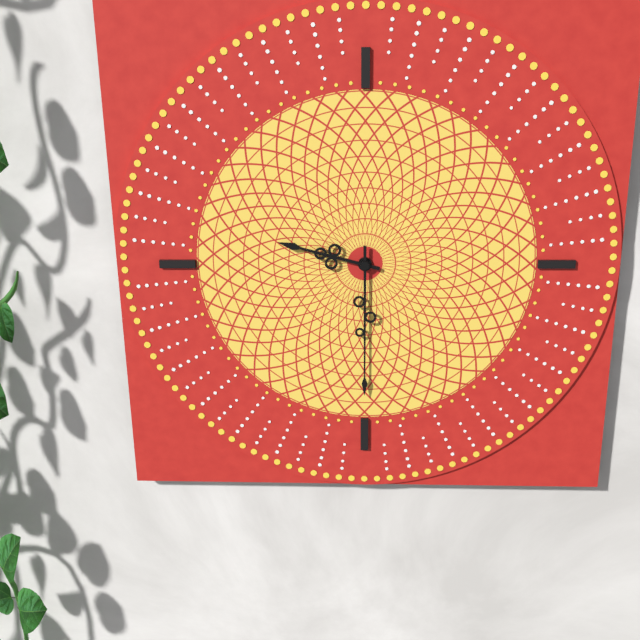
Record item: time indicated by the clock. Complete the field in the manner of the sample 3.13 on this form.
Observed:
9.30
